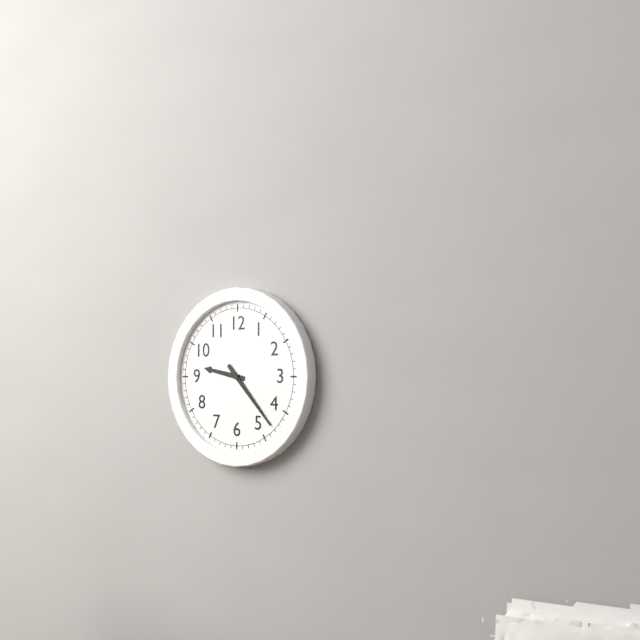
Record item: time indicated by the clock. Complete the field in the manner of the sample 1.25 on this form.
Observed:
9.23
